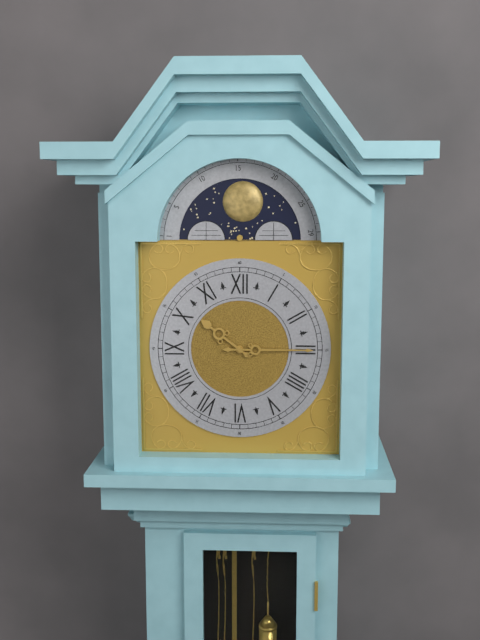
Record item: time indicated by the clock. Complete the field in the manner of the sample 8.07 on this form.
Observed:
10.15
